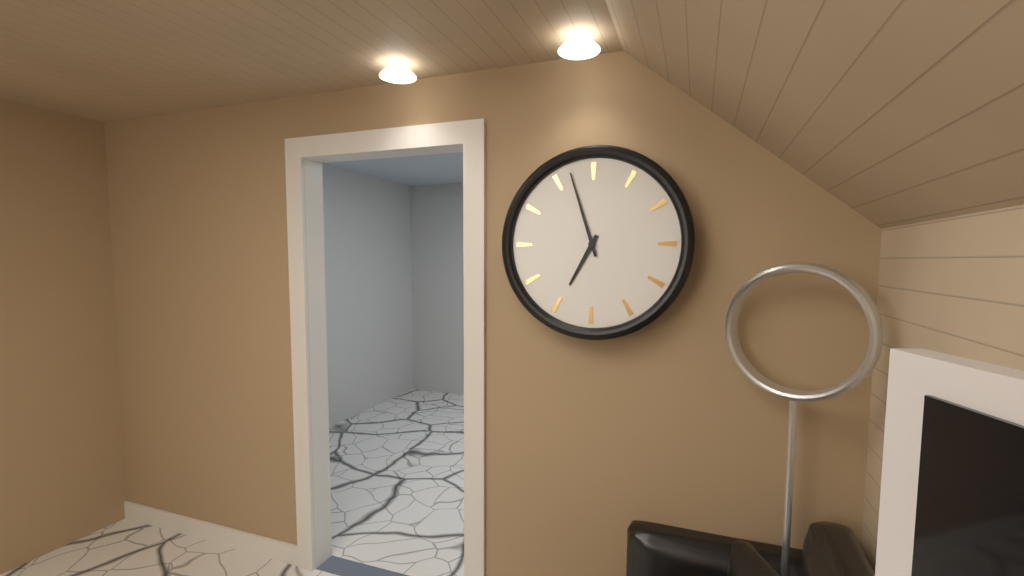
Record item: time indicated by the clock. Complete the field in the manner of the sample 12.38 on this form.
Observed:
6.57
